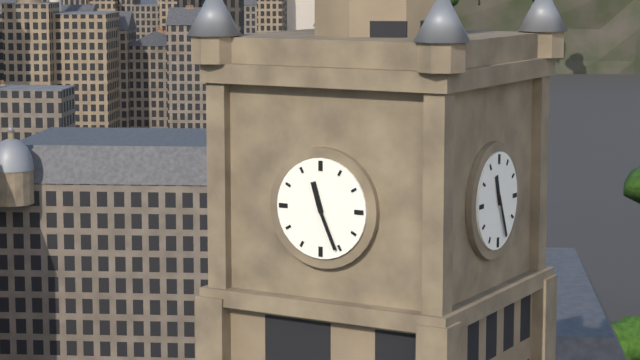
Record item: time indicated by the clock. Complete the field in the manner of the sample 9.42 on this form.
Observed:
11.26
